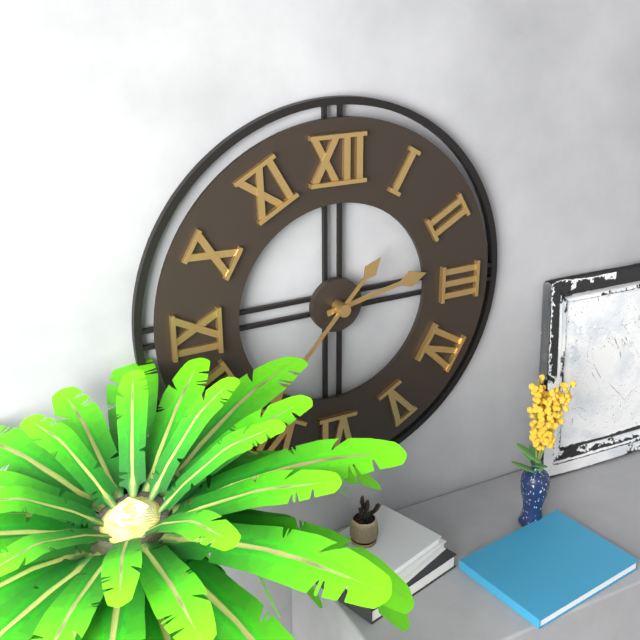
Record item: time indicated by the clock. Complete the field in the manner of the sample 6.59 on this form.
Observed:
2.37
